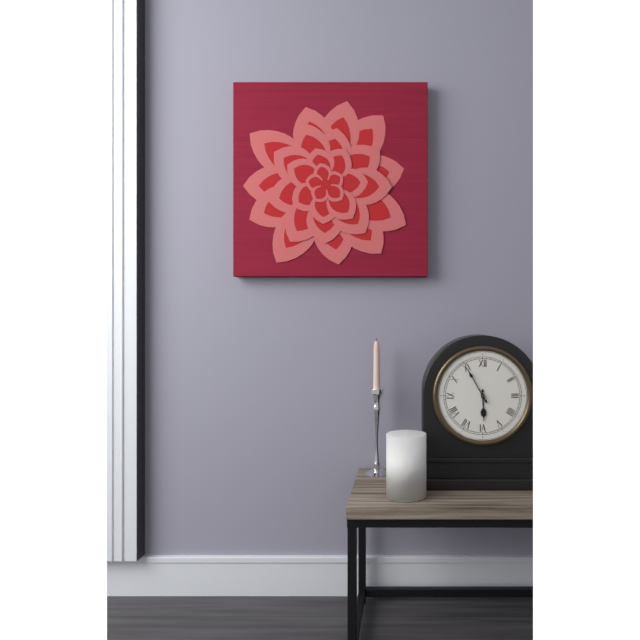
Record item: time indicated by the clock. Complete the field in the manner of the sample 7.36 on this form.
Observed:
5.55
